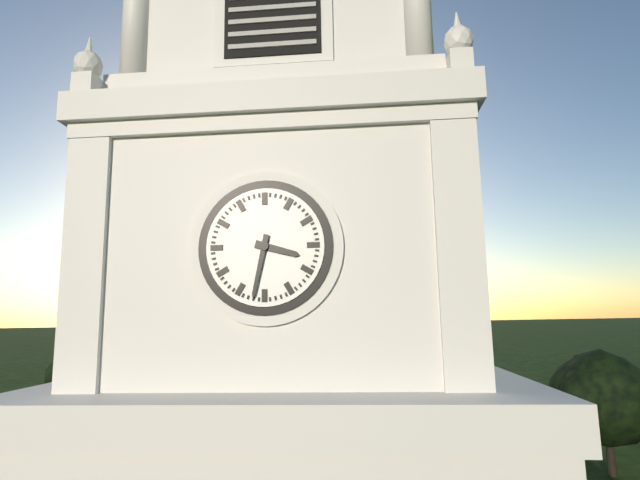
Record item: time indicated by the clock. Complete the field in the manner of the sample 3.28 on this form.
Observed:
3.32
